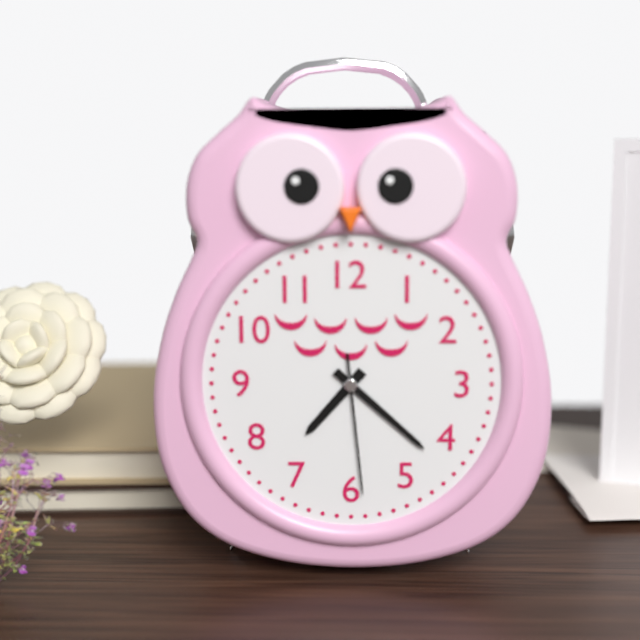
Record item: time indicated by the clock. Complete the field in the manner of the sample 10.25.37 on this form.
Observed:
7.22.29
